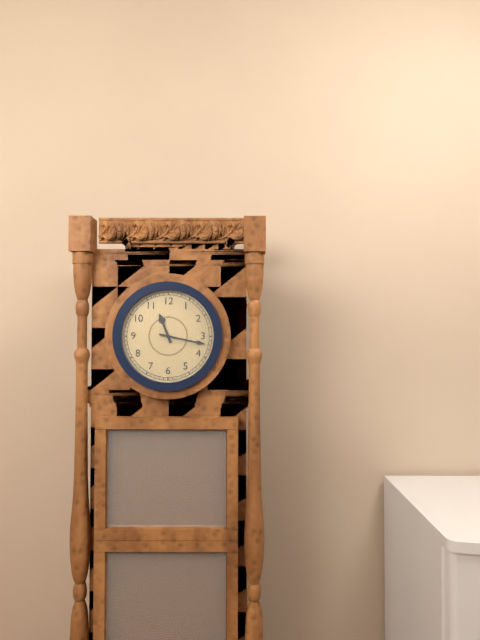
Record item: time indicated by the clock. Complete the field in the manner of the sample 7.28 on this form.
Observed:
11.17
